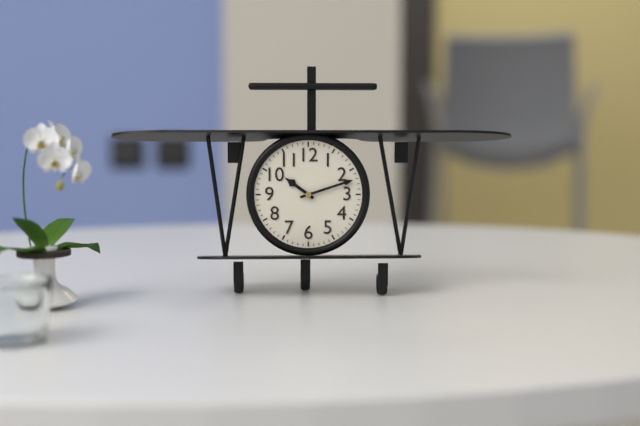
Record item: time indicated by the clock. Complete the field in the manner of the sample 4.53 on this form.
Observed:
10.12
